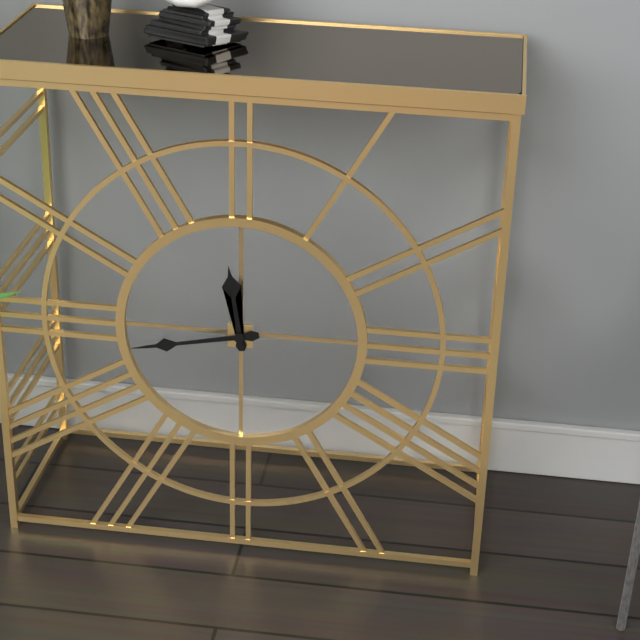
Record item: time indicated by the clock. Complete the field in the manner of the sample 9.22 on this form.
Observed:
11.43
